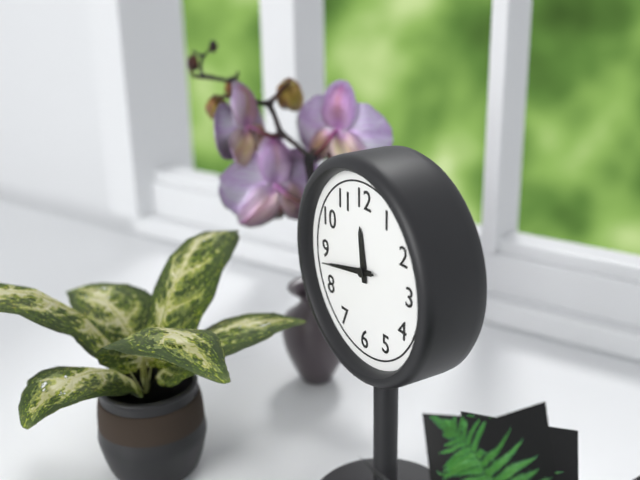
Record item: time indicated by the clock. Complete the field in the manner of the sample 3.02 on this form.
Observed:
11.43
